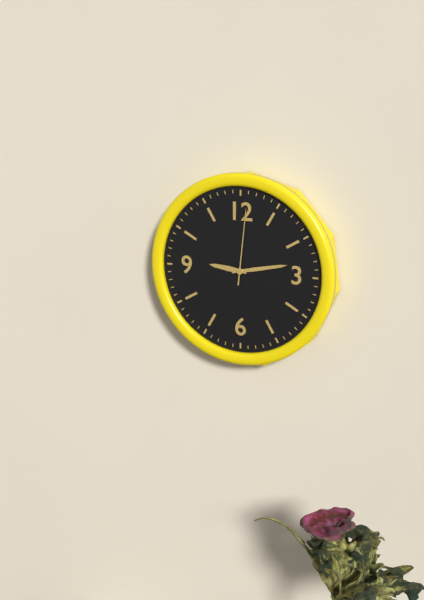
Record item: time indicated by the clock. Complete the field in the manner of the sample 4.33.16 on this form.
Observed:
9.13.01
